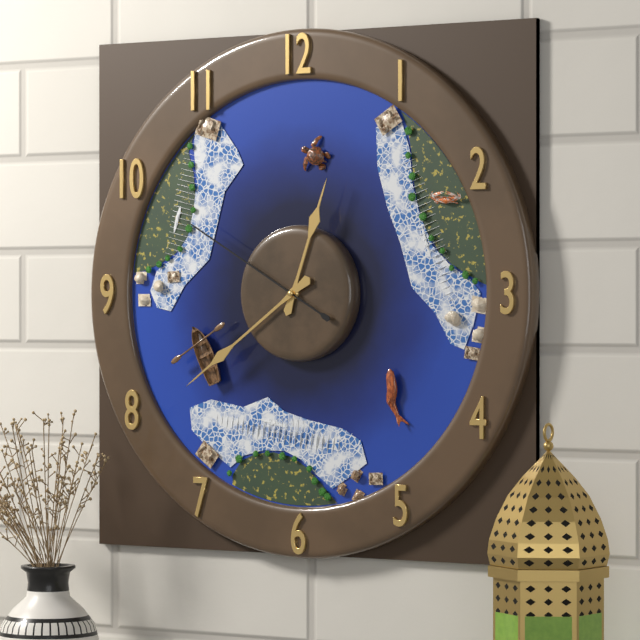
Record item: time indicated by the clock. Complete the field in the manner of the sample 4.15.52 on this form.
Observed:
12.39.50
